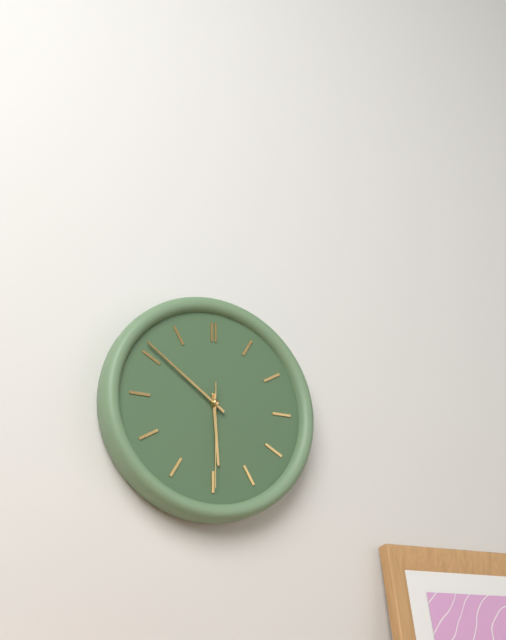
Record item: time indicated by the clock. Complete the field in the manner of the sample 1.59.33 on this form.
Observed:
5.51.30
